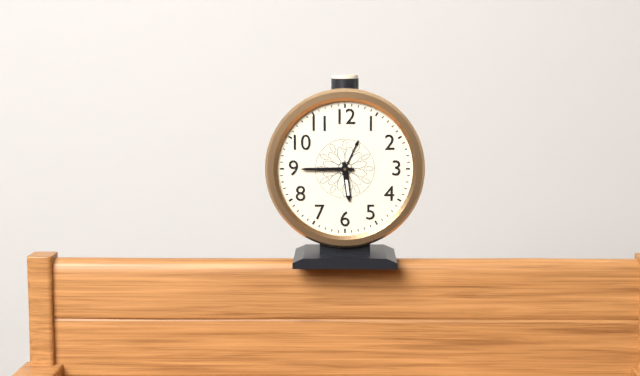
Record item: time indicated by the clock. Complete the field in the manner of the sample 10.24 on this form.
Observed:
5.45
